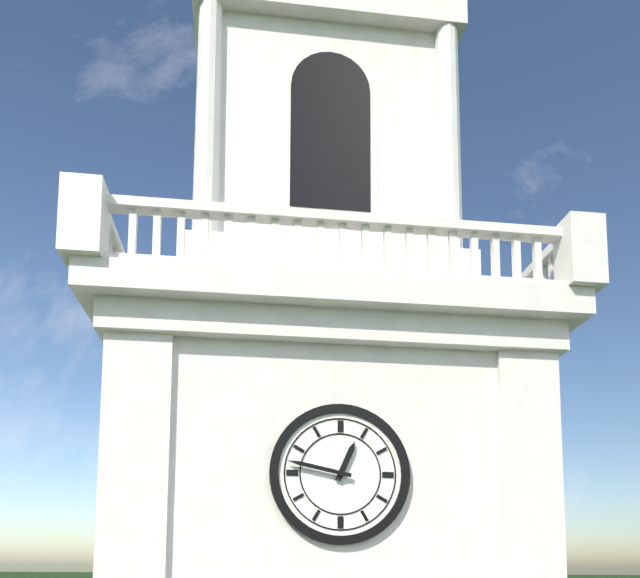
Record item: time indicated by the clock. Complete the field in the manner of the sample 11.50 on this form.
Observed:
12.47
